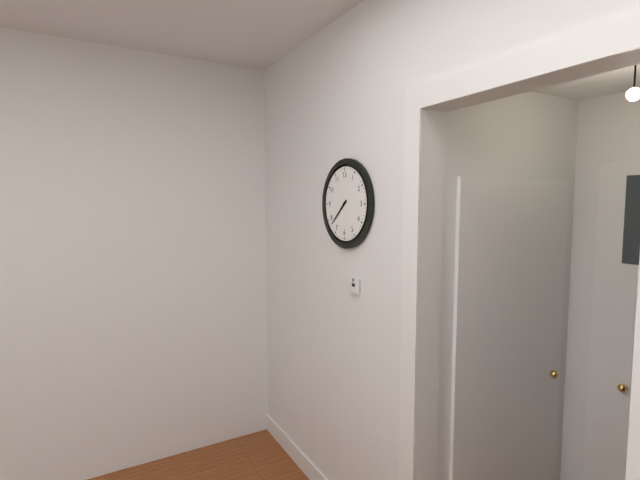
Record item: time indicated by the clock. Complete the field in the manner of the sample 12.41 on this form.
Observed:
7.38
